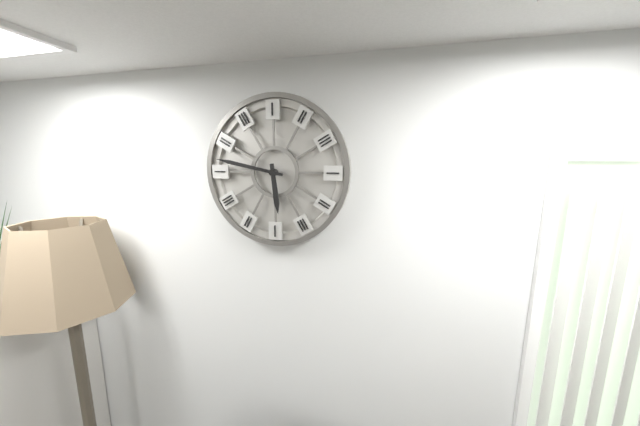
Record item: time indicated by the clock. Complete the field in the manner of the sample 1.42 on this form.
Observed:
5.47
